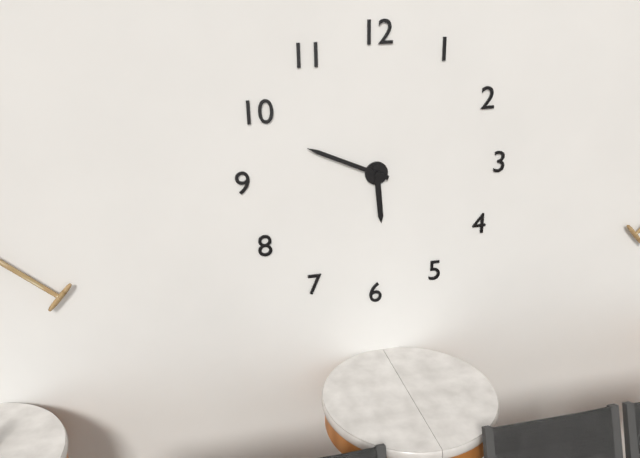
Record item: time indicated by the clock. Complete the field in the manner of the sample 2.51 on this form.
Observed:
5.49
